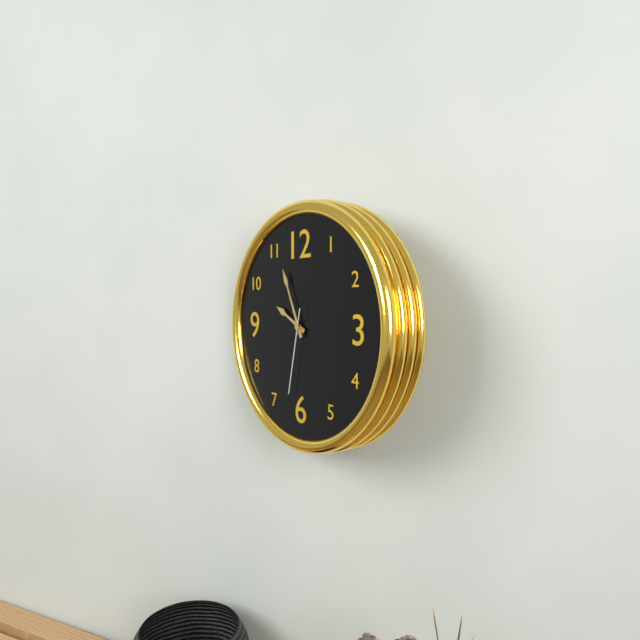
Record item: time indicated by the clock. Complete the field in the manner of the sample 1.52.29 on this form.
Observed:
9.56.32
